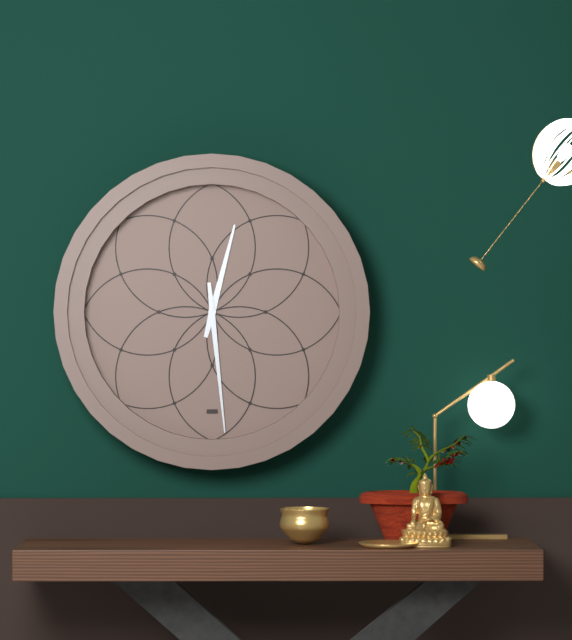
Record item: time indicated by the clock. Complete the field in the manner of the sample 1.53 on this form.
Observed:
12.29
